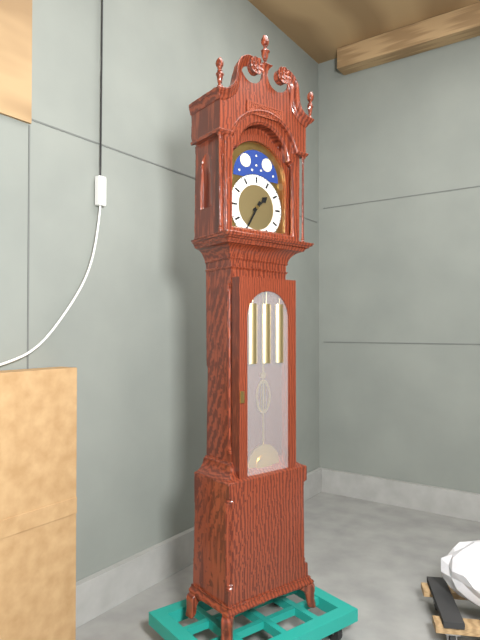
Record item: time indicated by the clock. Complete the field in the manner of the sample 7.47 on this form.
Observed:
1.35
